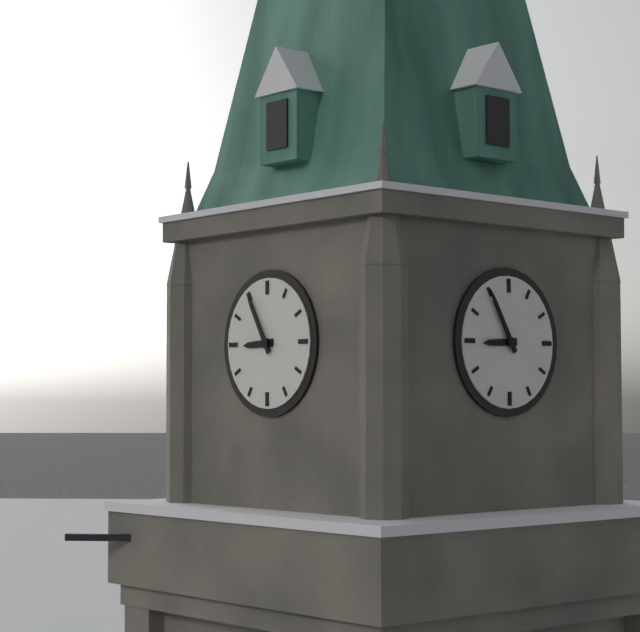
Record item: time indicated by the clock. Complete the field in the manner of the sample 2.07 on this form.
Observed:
8.55
